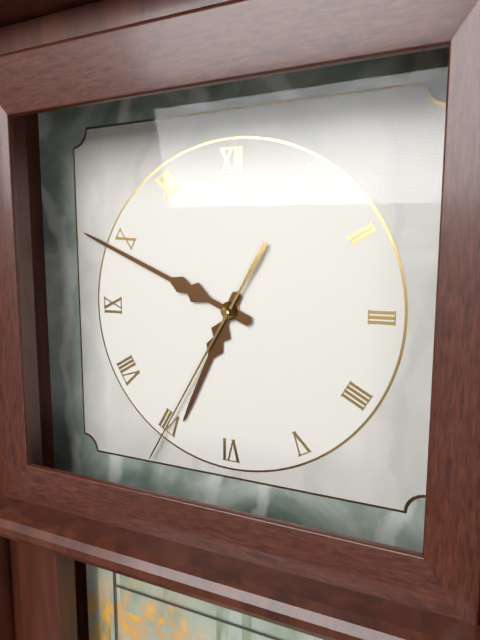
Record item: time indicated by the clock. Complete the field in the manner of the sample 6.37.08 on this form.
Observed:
6.49.35
